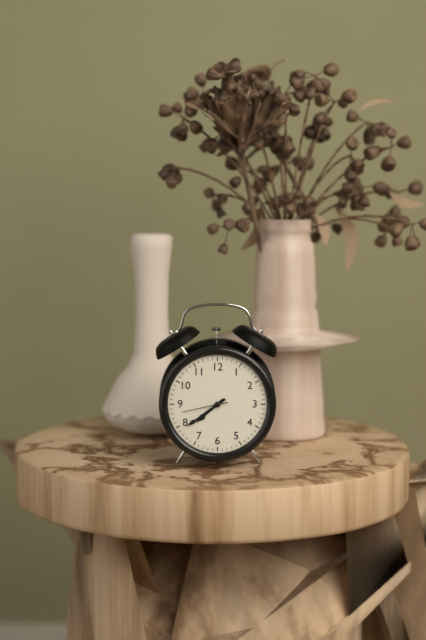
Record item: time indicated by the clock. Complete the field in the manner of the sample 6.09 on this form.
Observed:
7.39
